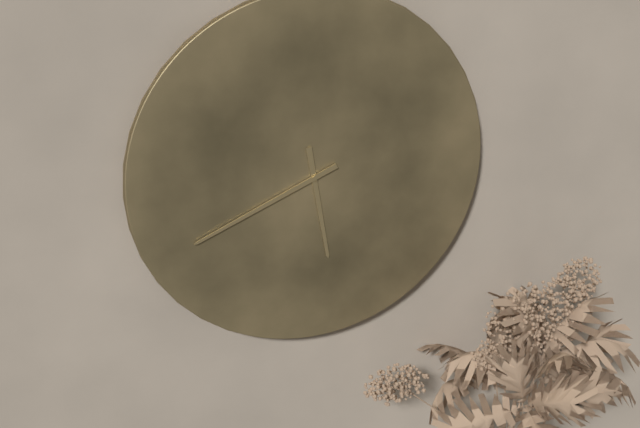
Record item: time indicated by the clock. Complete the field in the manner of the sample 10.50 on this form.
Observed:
5.41
